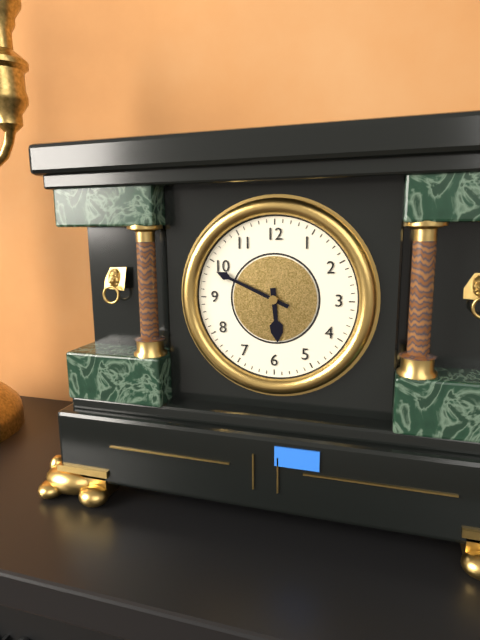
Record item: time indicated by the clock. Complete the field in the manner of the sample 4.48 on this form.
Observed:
5.49
